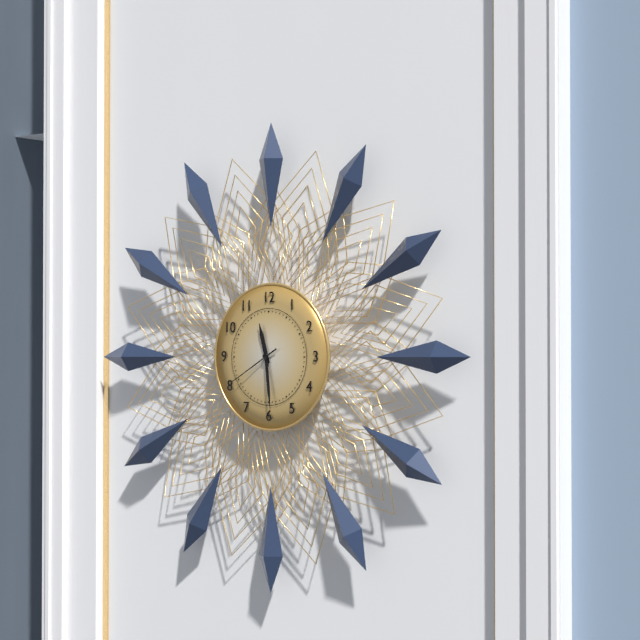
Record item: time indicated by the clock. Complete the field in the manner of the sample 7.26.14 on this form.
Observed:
11.29.40
